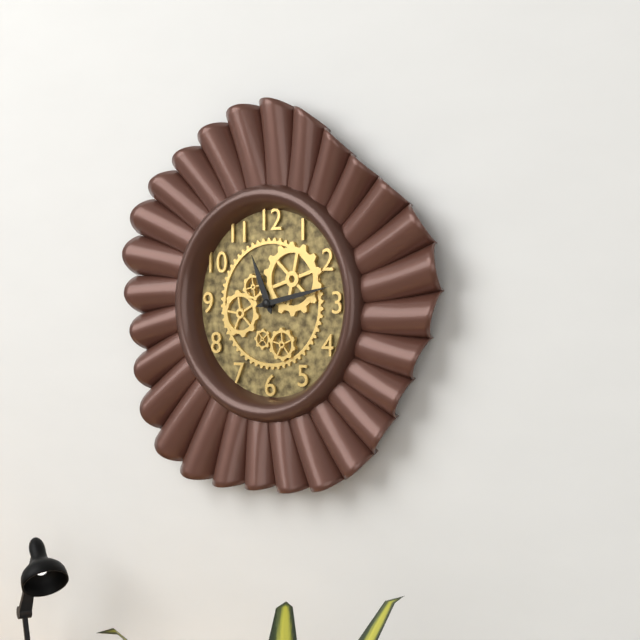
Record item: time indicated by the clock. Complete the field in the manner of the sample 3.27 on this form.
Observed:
11.13
